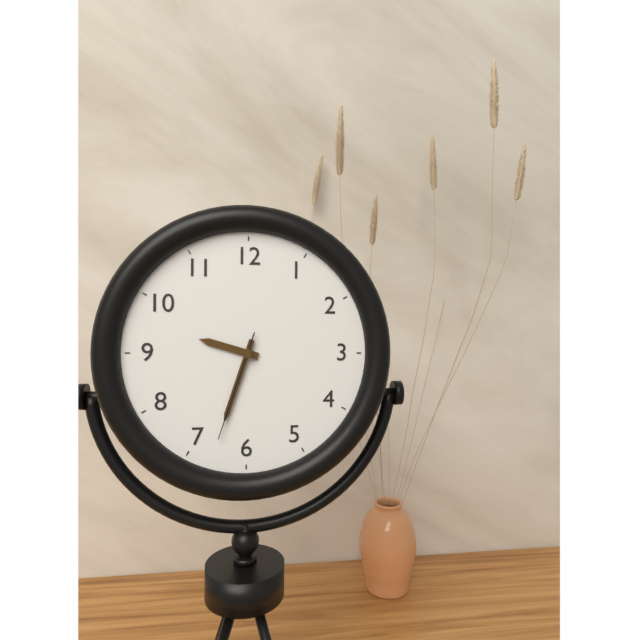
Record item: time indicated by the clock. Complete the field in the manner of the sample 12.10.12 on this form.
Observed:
9.33.33
